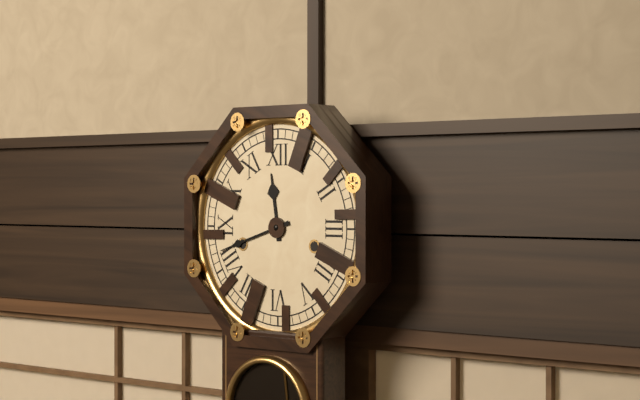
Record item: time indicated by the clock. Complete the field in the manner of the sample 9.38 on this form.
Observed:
11.42
